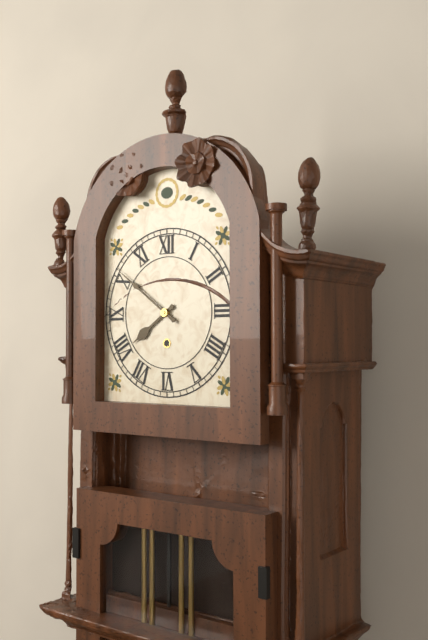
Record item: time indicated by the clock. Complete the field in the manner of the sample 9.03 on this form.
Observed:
7.51
